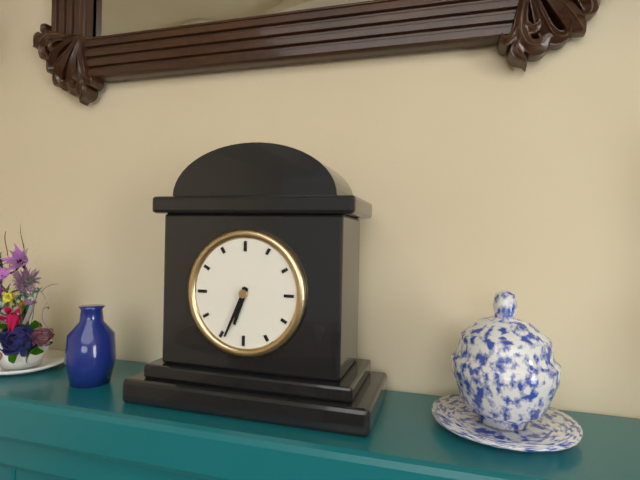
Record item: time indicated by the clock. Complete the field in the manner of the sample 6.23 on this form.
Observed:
6.34
